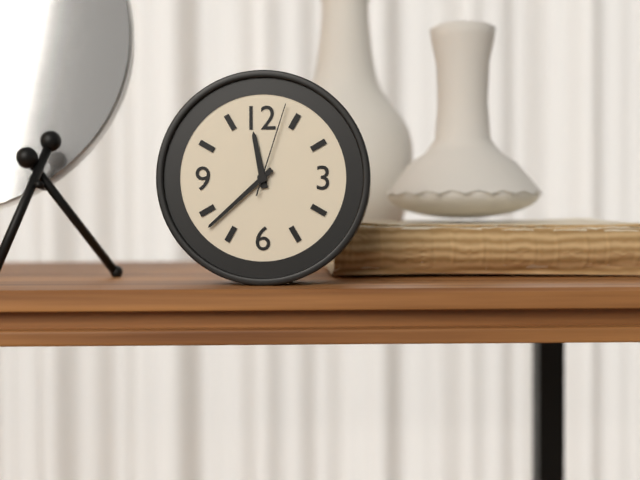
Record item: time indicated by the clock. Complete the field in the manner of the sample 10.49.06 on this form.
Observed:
11.38.03
